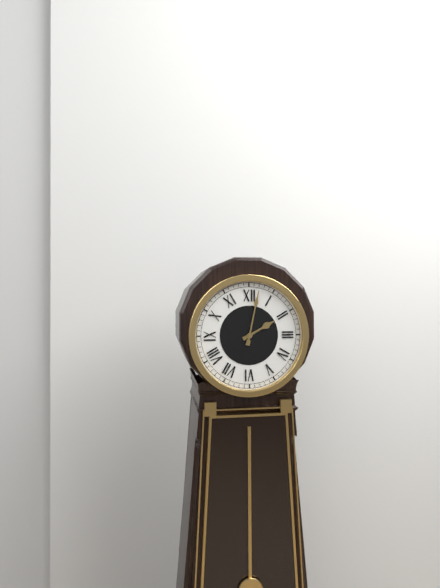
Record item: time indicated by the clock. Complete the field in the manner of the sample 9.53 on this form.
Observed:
2.02
